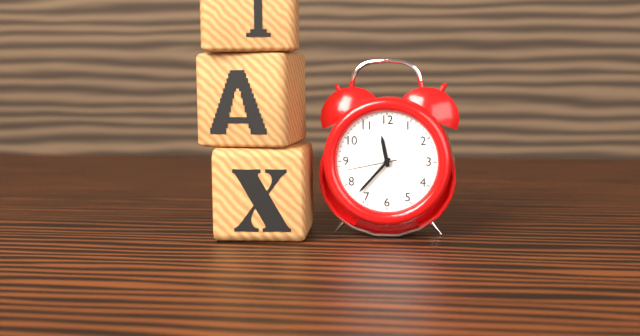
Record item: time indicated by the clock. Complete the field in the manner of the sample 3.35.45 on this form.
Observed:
11.37.43
